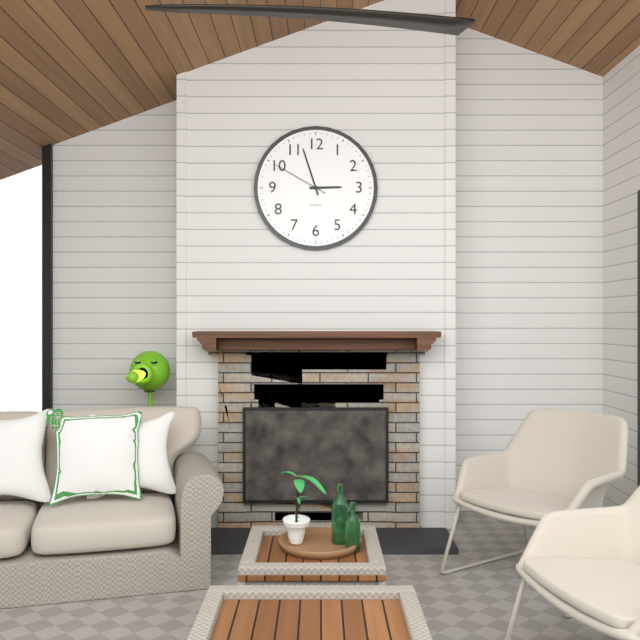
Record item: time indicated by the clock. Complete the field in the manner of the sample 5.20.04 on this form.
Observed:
2.57.50
